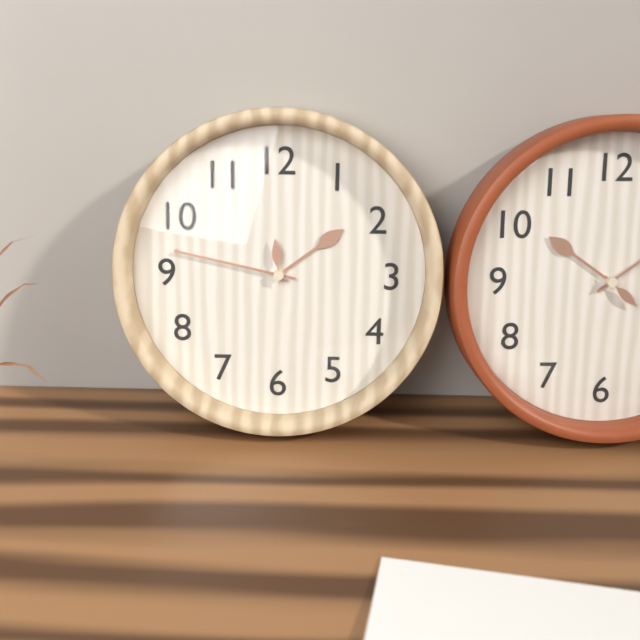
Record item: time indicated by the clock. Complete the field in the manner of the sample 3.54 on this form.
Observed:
1.47
